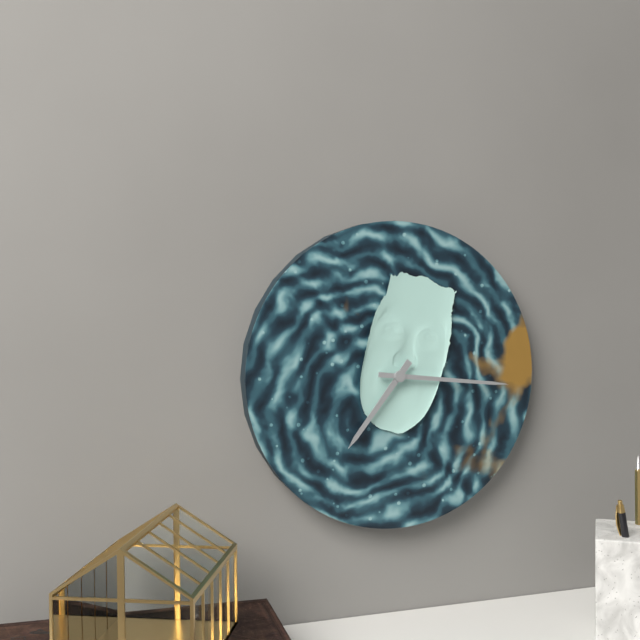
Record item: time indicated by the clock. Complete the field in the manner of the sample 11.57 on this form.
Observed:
7.16
